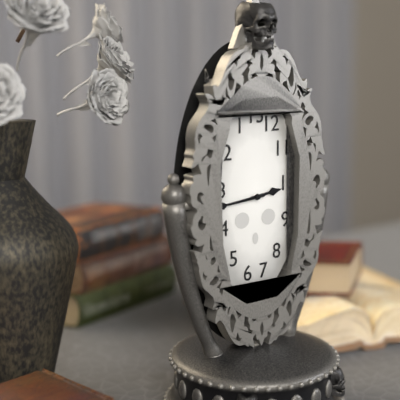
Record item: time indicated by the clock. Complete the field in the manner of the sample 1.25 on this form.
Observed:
2.44
